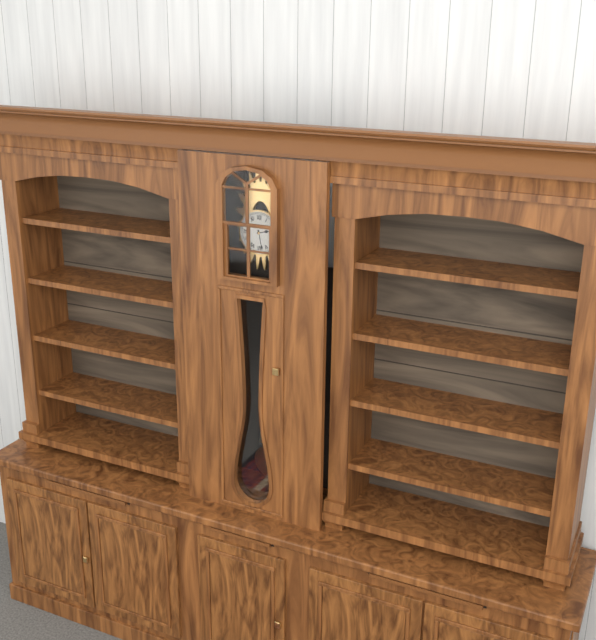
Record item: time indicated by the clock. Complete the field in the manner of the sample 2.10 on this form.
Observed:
2.28
